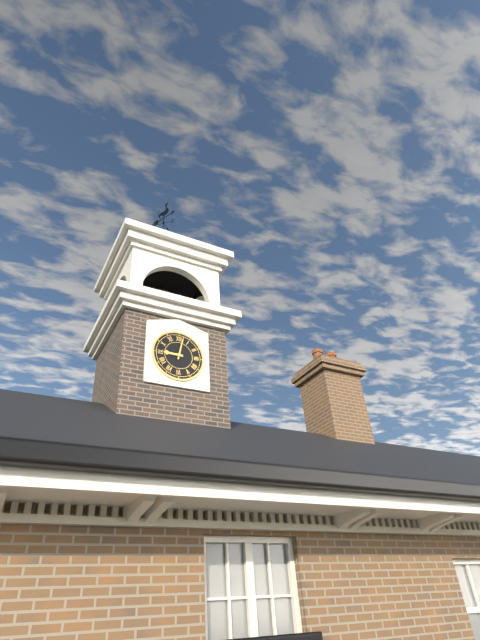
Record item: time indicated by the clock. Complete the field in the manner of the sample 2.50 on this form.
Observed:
9.02
